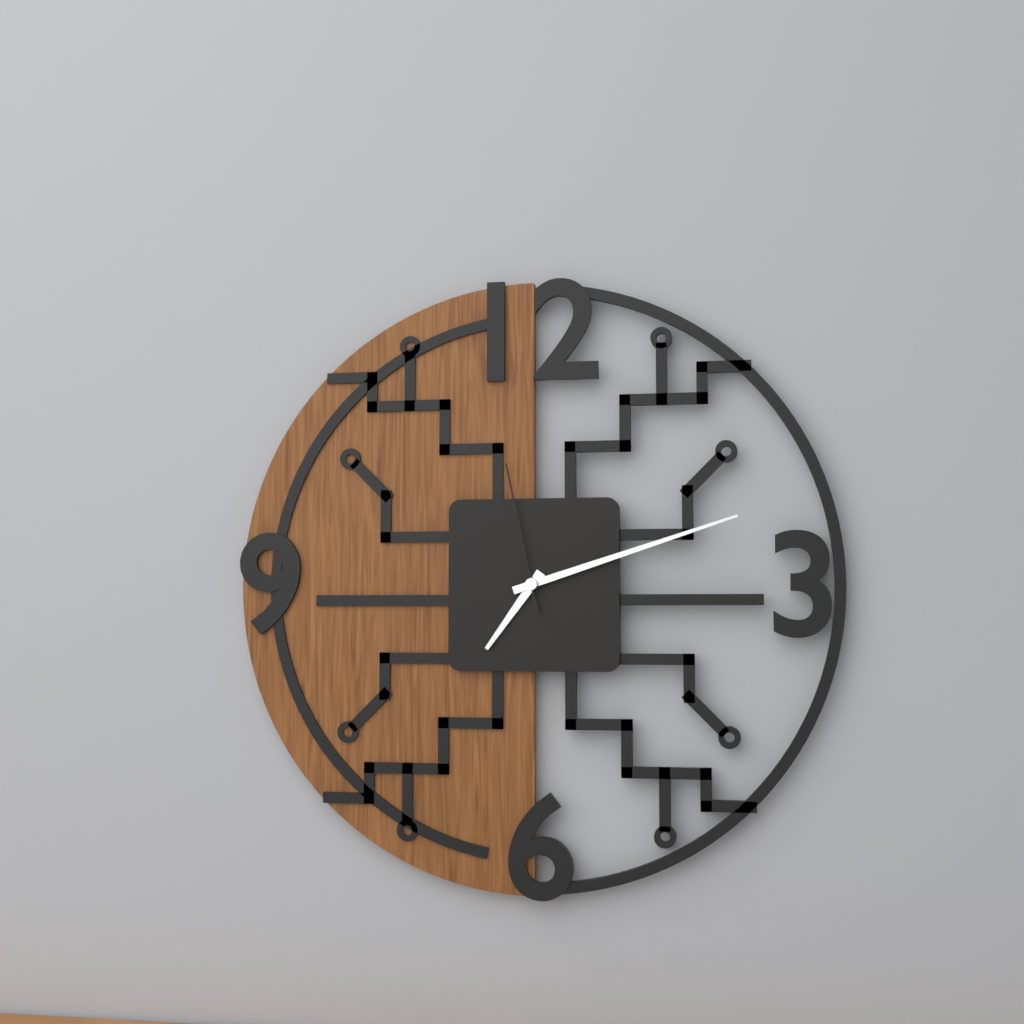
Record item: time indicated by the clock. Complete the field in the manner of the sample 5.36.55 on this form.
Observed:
7.12.58
